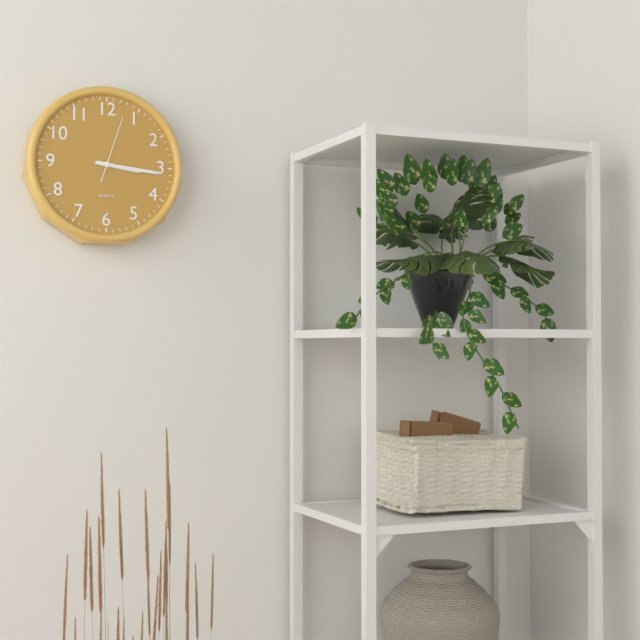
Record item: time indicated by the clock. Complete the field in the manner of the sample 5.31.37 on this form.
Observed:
3.16.03
